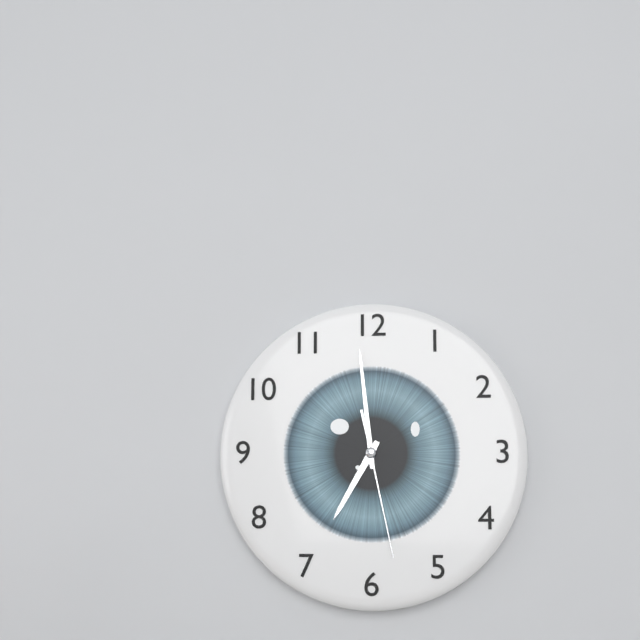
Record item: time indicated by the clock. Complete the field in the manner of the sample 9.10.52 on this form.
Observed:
6.59.28
